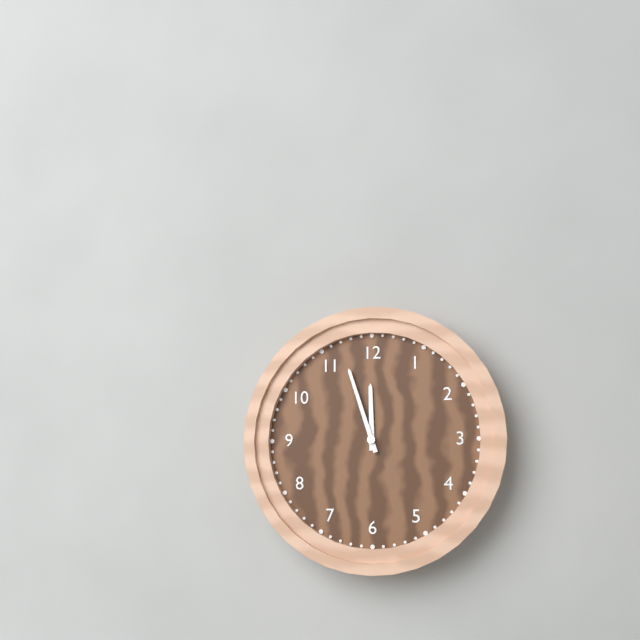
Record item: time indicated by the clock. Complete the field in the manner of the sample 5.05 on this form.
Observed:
11.57
